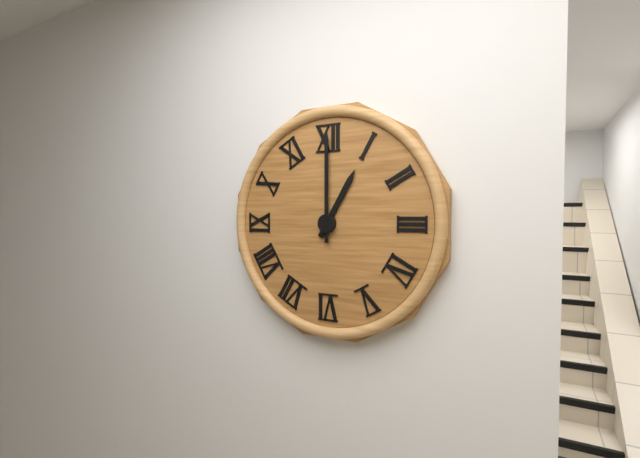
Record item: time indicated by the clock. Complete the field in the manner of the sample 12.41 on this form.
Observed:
1.00
